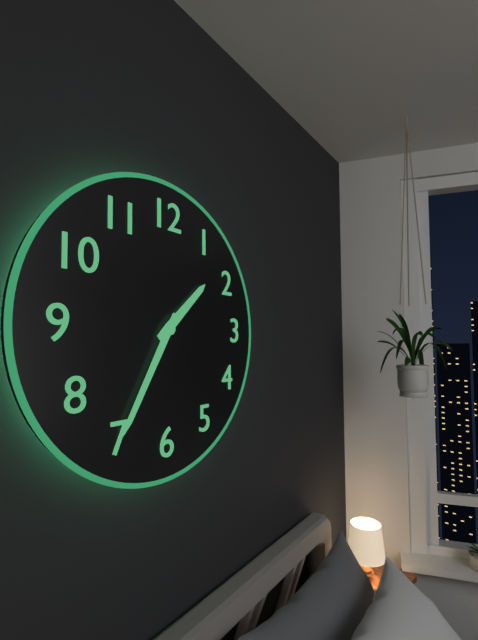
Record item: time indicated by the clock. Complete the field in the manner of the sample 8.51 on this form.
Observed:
1.35
